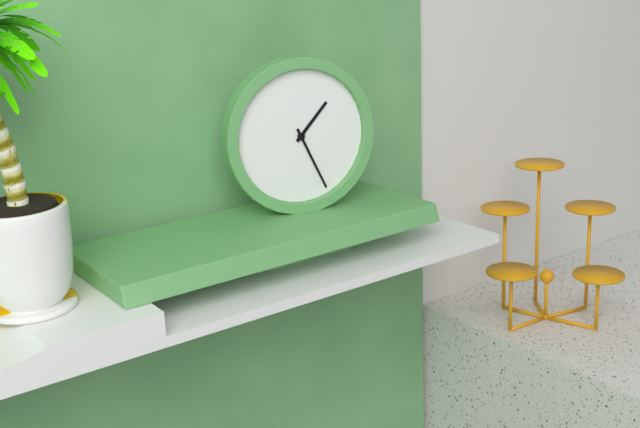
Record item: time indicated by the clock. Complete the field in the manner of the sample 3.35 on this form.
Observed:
1.26
